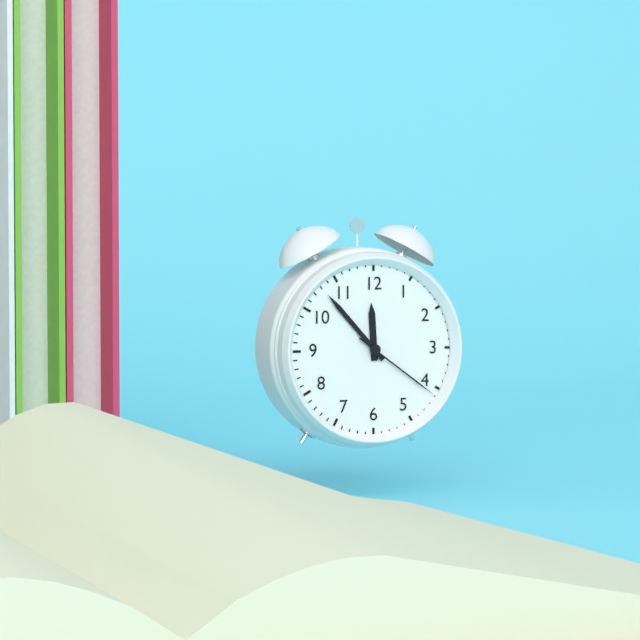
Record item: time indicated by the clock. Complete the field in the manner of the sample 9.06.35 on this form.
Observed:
11.53.21
